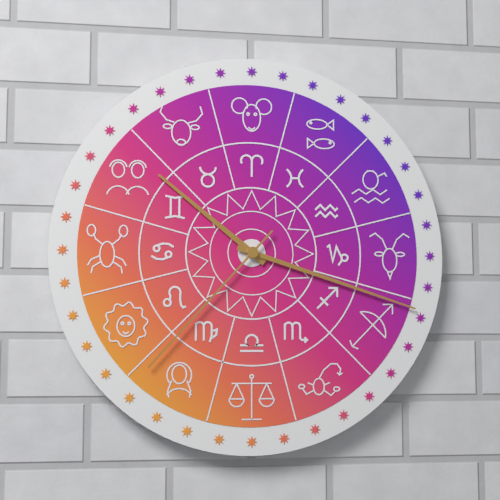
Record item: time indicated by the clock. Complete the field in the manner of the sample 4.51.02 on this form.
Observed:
10.18.37
